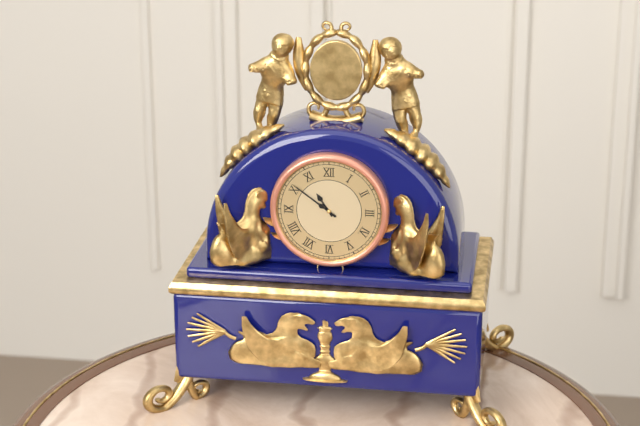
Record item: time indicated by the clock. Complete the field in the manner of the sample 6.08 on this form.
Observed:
10.51
